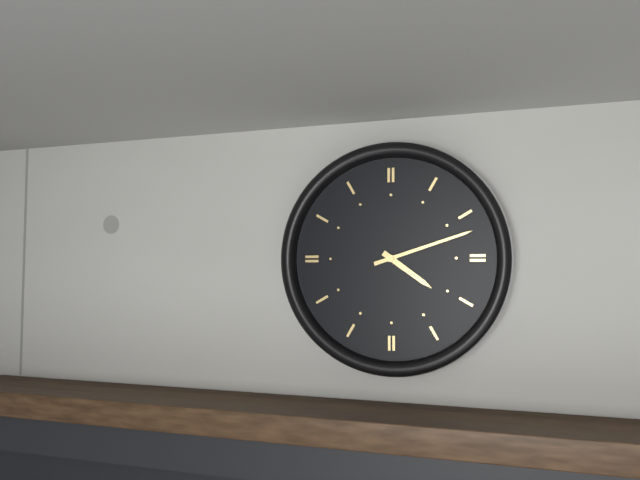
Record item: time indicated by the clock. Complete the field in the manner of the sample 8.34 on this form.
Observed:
4.12
